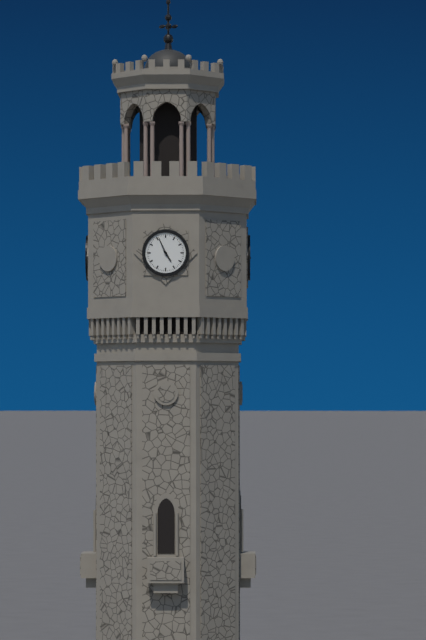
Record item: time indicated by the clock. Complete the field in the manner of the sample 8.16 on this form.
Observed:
4.56
